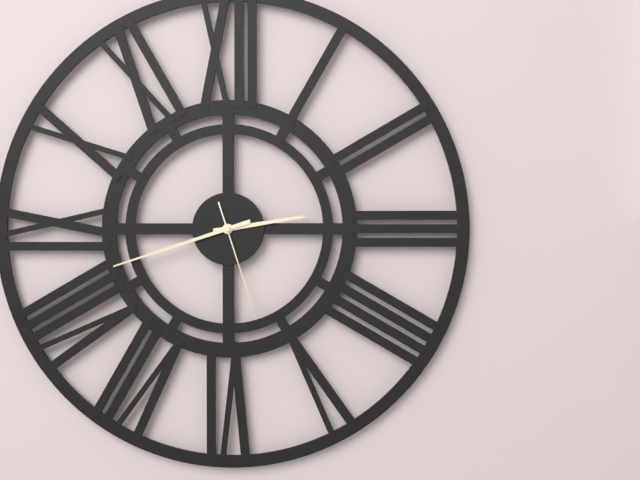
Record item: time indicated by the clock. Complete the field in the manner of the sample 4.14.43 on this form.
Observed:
2.42.27
